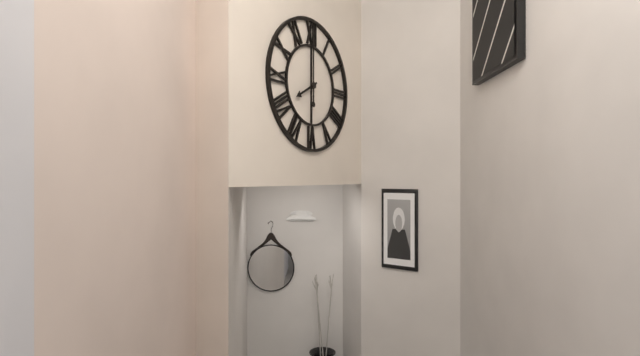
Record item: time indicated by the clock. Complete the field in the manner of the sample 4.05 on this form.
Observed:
8.00
